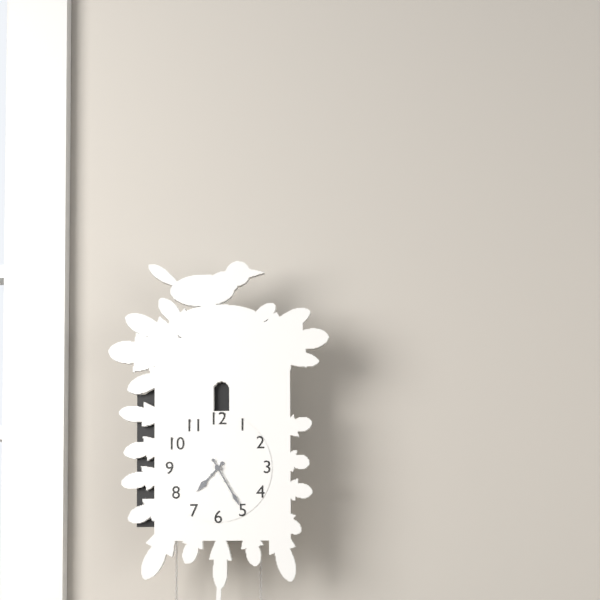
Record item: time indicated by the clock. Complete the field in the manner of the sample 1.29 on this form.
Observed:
7.25
